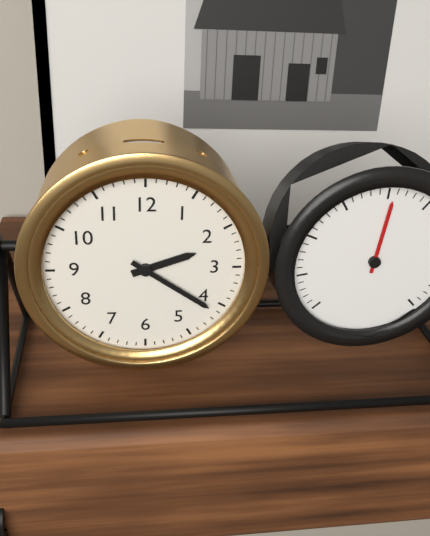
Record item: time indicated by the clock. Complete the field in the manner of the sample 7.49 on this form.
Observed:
2.21
